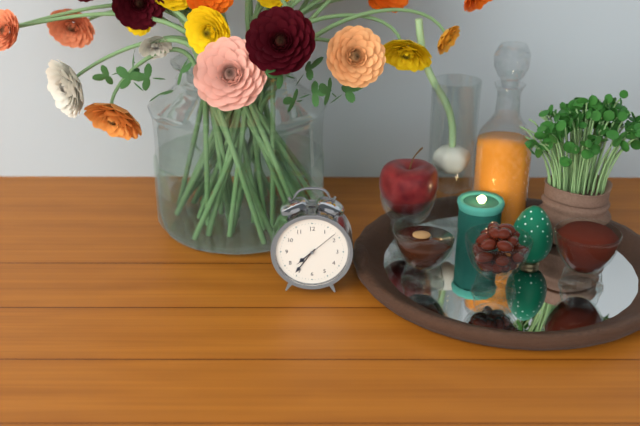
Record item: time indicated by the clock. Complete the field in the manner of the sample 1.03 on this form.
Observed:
7.36
